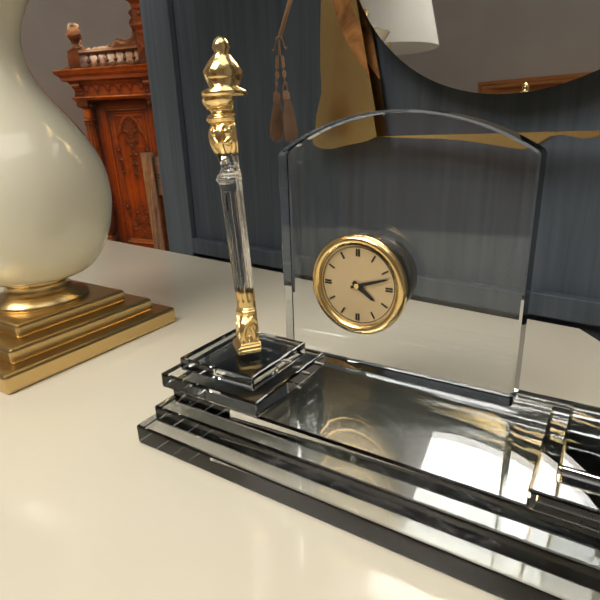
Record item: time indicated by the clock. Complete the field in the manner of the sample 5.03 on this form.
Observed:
4.12
